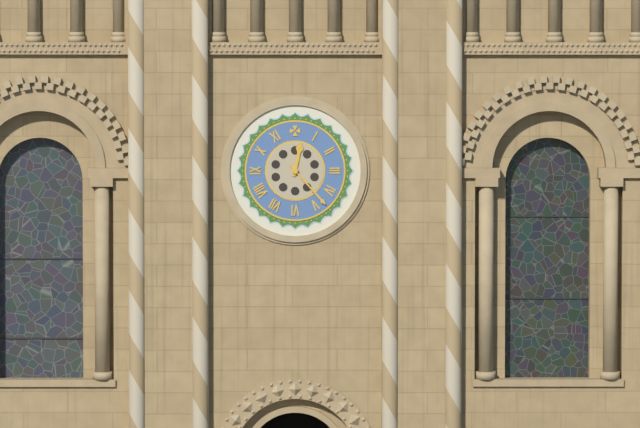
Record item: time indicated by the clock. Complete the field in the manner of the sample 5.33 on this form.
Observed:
12.23
